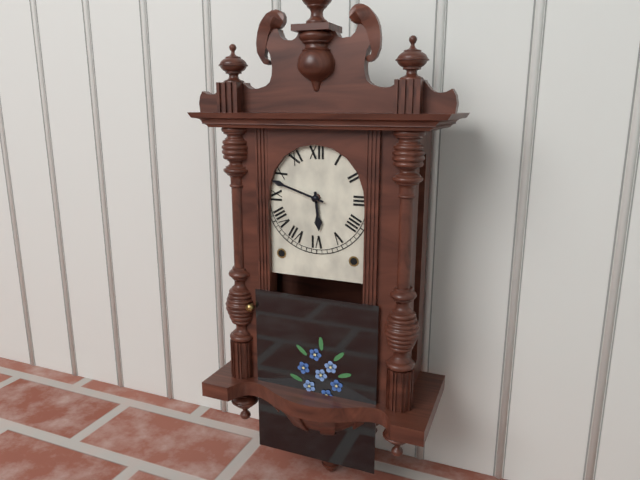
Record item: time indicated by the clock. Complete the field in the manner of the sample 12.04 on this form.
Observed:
5.48
